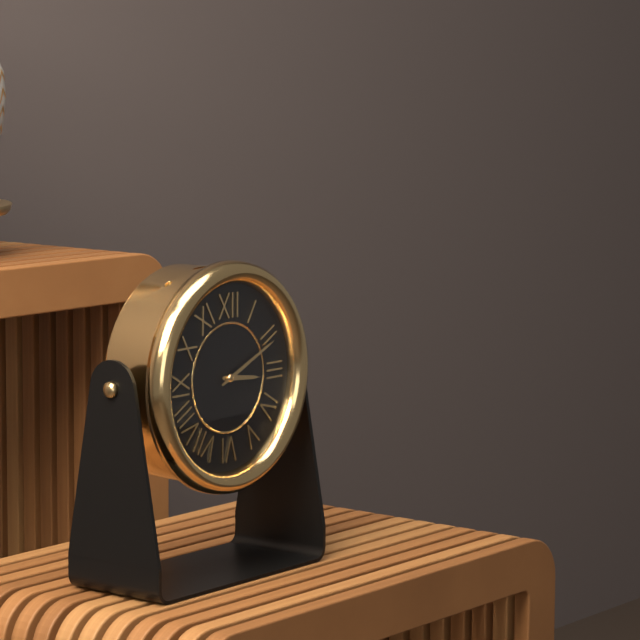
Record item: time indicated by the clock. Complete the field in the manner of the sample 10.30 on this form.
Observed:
3.11
